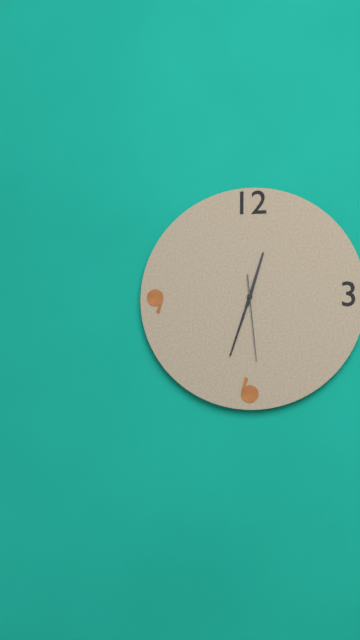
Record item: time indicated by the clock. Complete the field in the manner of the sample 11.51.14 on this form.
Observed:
12.33.29
